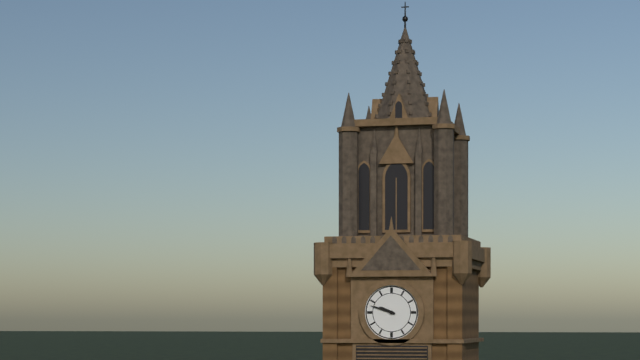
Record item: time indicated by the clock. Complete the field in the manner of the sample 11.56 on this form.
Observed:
9.48
